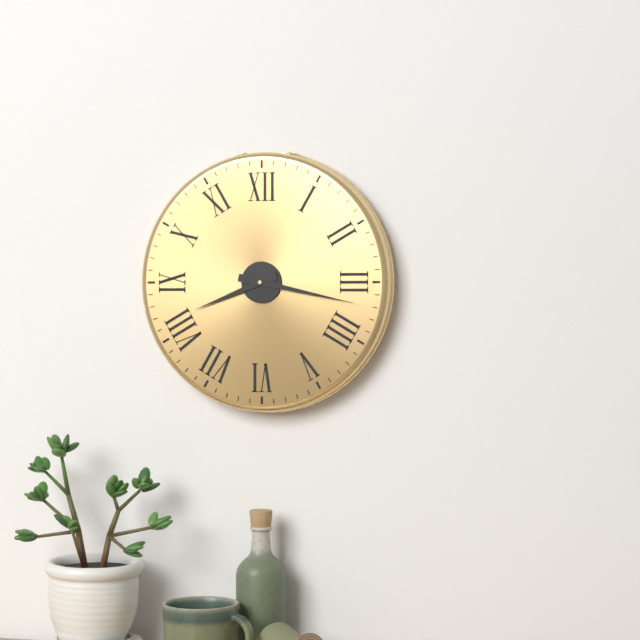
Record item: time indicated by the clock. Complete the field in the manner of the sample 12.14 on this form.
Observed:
8.17
